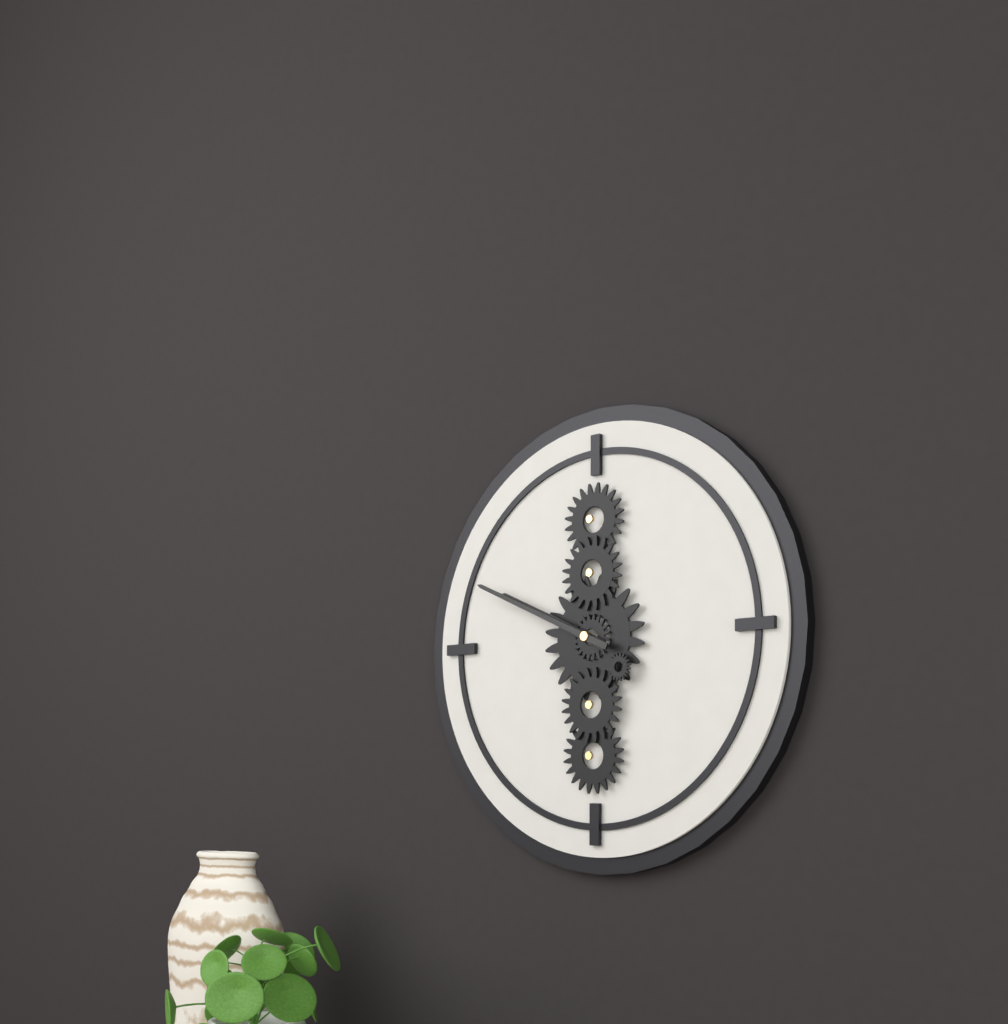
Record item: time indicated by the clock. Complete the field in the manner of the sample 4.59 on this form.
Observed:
9.49
